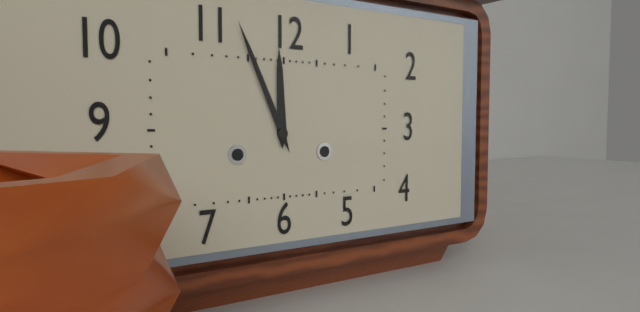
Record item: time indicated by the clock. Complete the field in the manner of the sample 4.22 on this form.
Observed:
11.56
